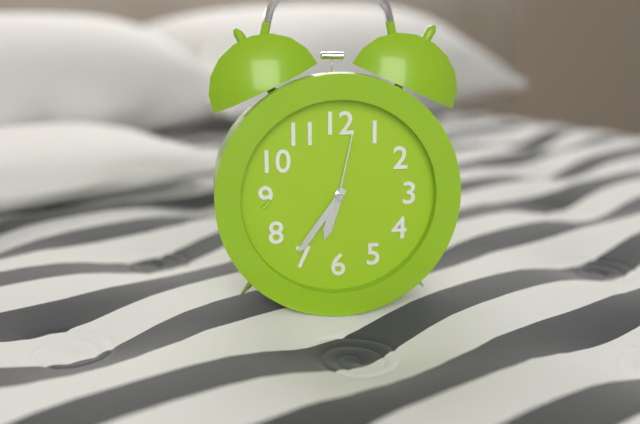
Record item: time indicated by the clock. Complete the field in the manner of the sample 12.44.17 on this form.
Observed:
6.36.02
